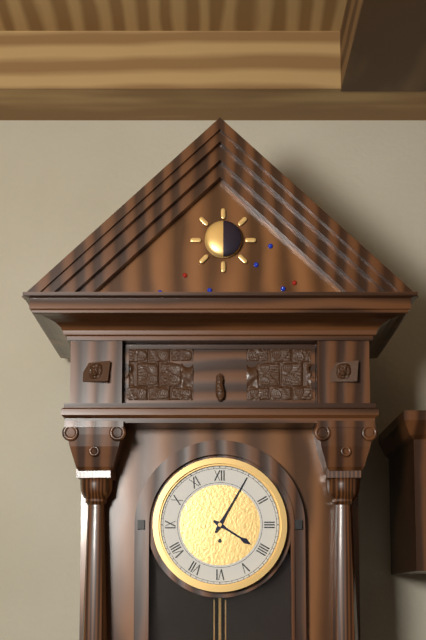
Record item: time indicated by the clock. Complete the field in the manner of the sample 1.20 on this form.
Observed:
4.05
